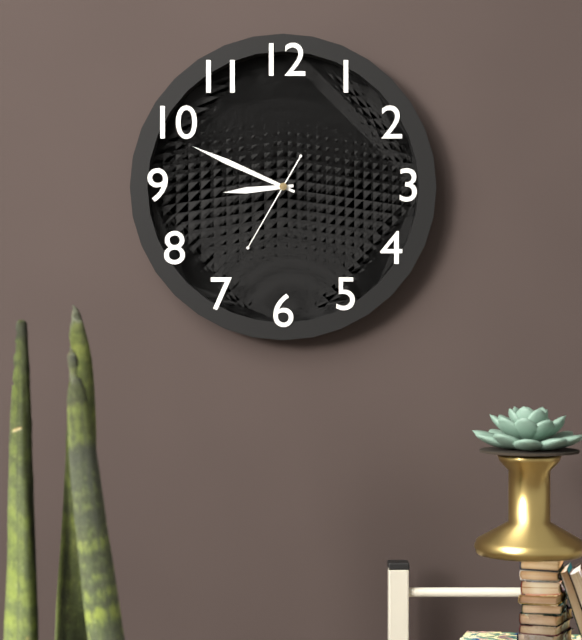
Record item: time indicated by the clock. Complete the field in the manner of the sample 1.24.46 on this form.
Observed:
8.49.35
